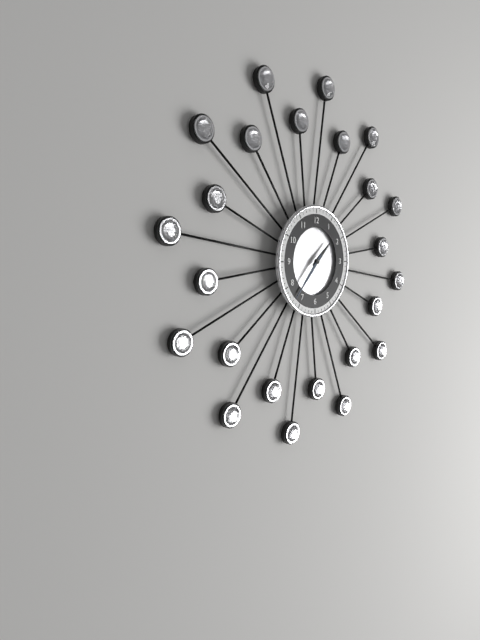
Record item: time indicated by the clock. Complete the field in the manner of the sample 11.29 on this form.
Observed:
1.37
